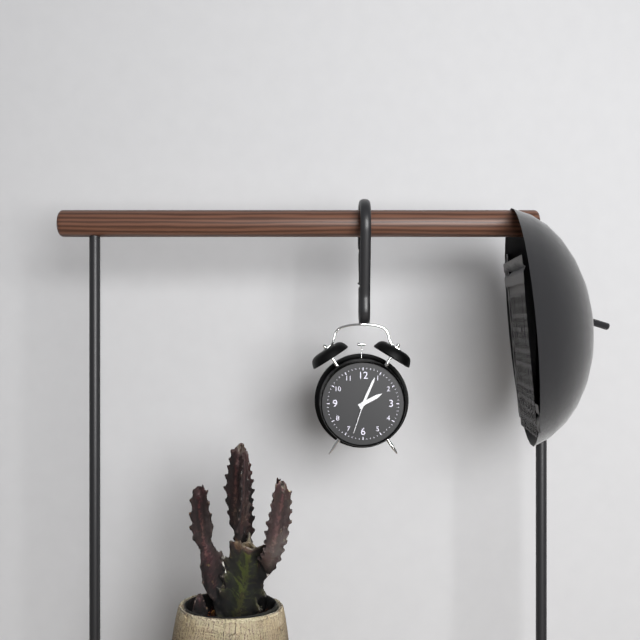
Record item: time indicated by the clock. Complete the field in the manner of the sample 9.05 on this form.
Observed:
2.04
